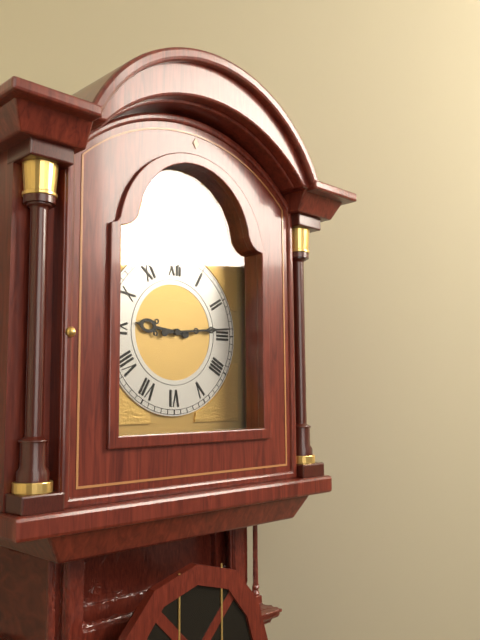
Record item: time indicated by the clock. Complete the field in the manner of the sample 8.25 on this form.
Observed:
9.14
